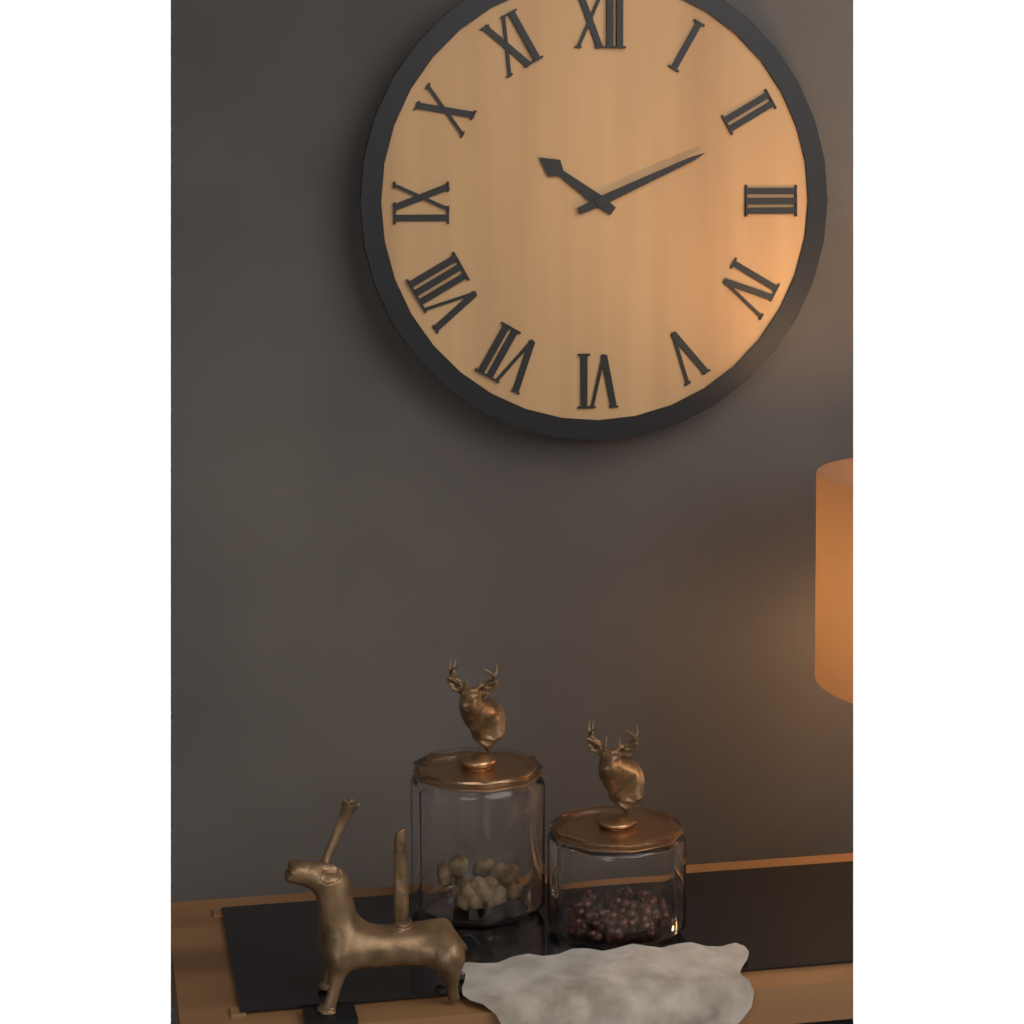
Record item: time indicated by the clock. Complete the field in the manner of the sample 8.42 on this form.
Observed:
10.11
